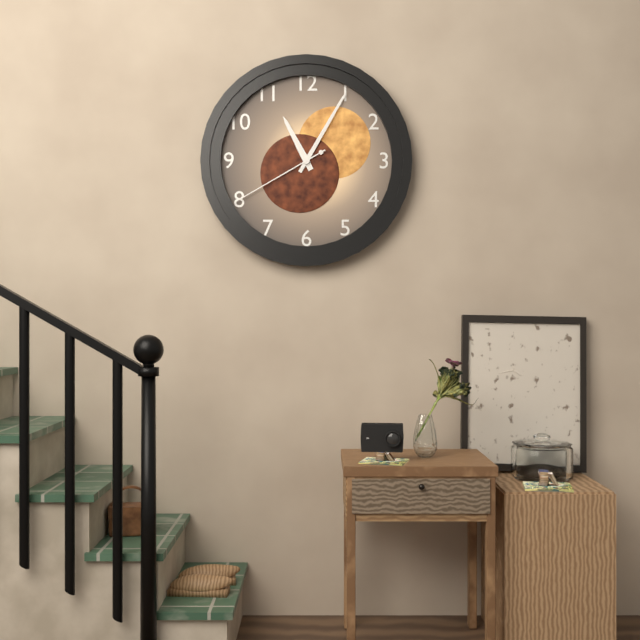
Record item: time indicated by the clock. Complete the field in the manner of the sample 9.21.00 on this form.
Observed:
11.05.40
